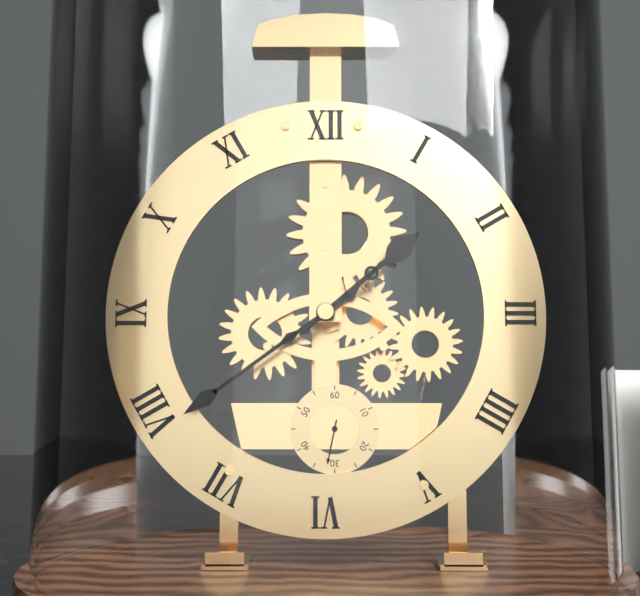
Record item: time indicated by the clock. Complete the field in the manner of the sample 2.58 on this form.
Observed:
1.39
